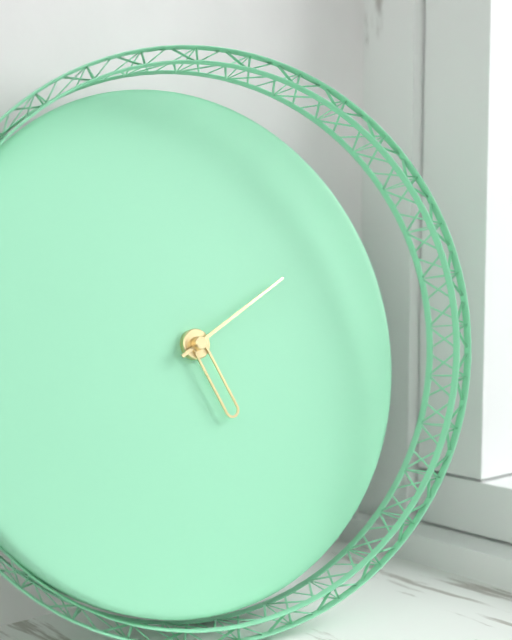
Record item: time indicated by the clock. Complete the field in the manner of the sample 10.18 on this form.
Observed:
5.10
